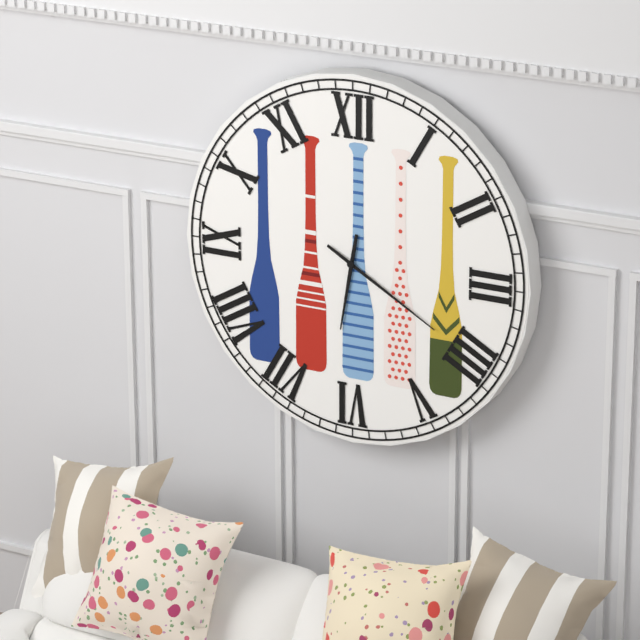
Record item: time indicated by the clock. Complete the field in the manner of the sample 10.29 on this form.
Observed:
6.20
